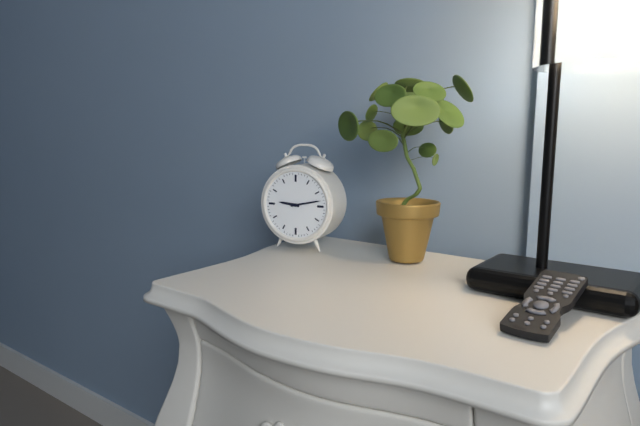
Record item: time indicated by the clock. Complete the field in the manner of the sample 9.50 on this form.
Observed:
9.13
